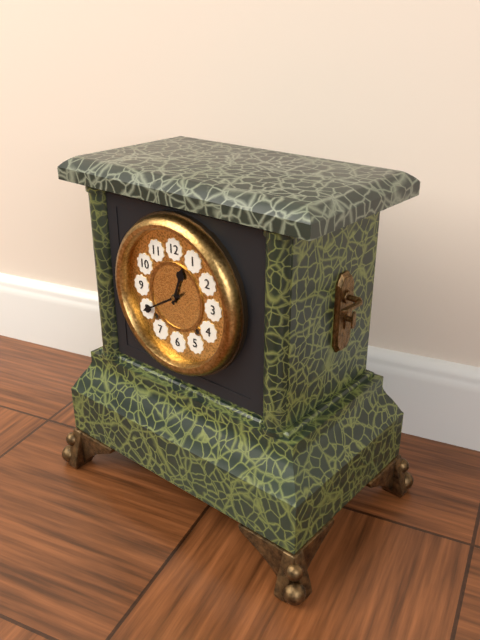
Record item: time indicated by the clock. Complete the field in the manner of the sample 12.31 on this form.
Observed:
12.40
